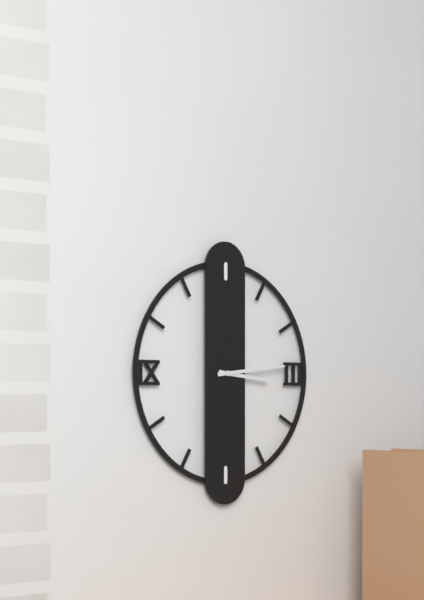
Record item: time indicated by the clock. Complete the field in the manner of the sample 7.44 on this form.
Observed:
3.14
